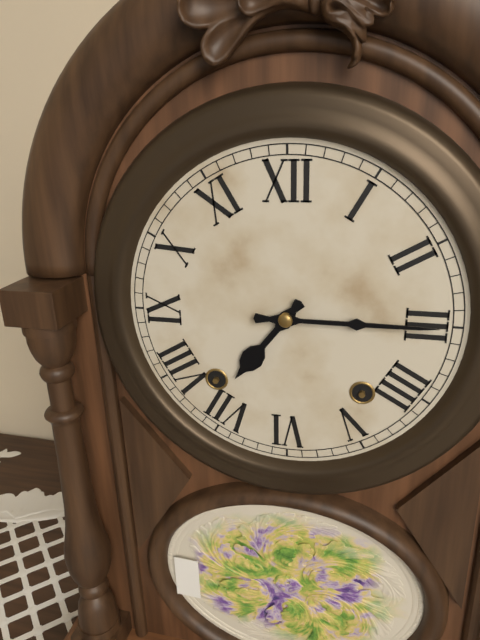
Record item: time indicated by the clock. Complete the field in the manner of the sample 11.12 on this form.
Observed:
7.15
